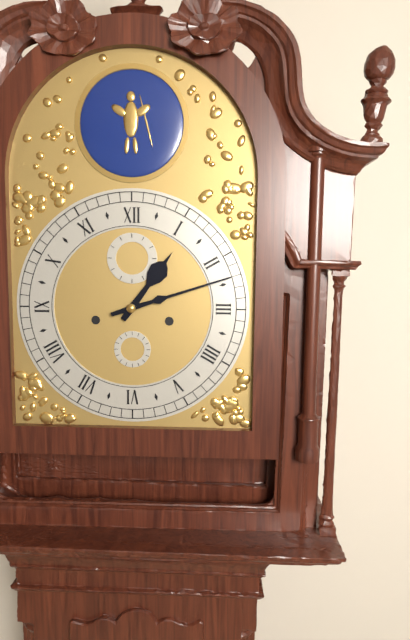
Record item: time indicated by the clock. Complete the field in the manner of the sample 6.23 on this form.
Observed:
1.12
